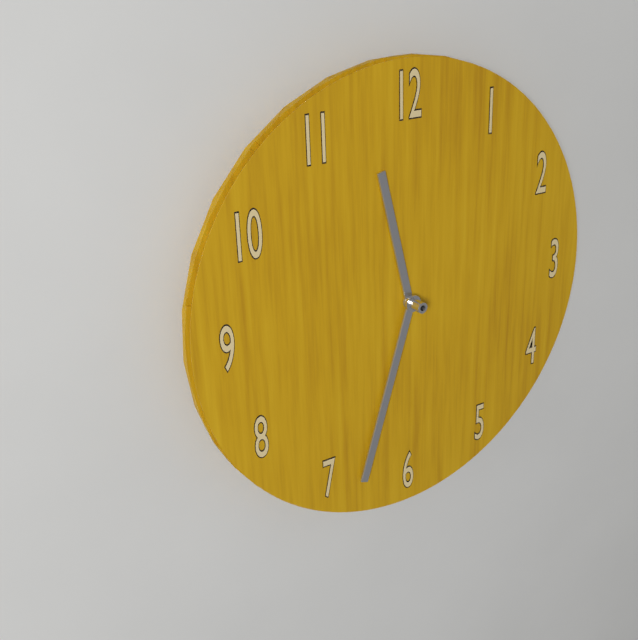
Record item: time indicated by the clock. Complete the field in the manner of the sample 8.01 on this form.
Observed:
11.33
